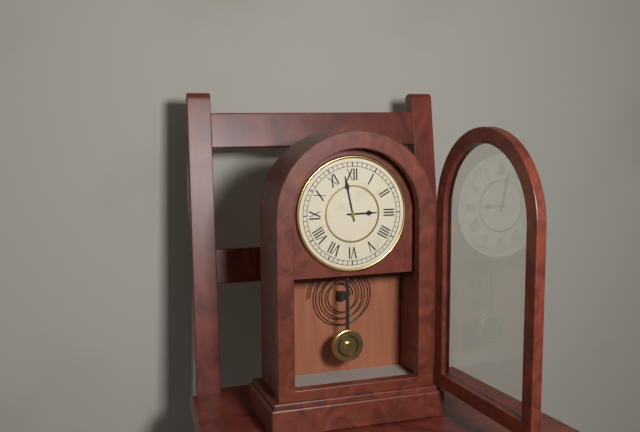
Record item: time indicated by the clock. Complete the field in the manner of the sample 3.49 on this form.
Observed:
2.58
